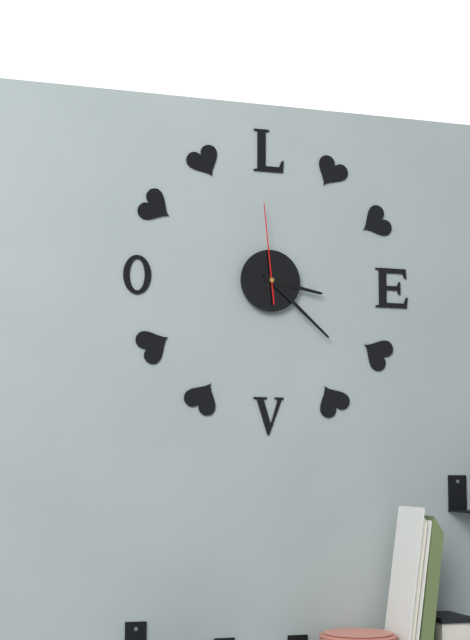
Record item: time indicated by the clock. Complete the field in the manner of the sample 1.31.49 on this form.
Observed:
3.22.59
